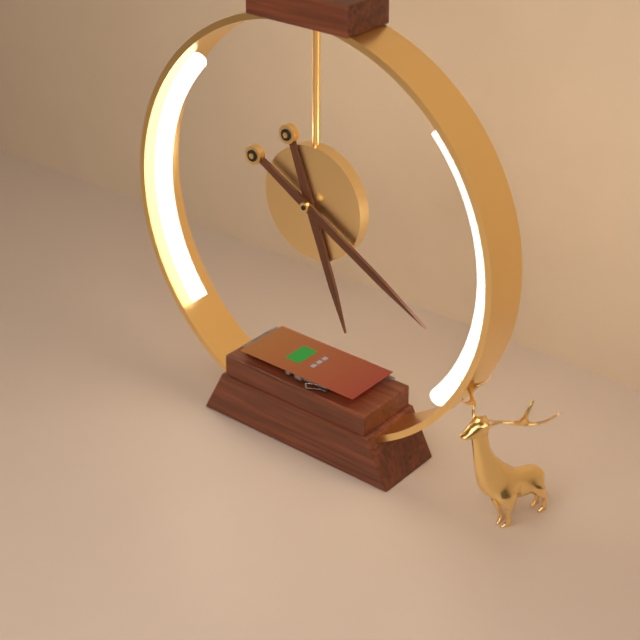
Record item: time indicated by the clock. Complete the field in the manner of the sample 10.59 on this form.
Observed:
5.20
